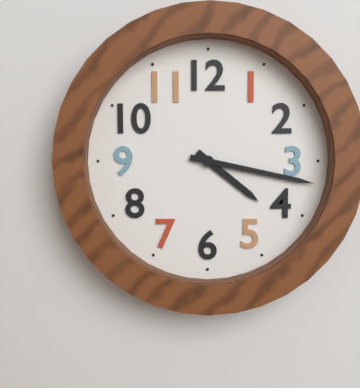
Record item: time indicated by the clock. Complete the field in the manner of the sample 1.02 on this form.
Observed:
4.17
